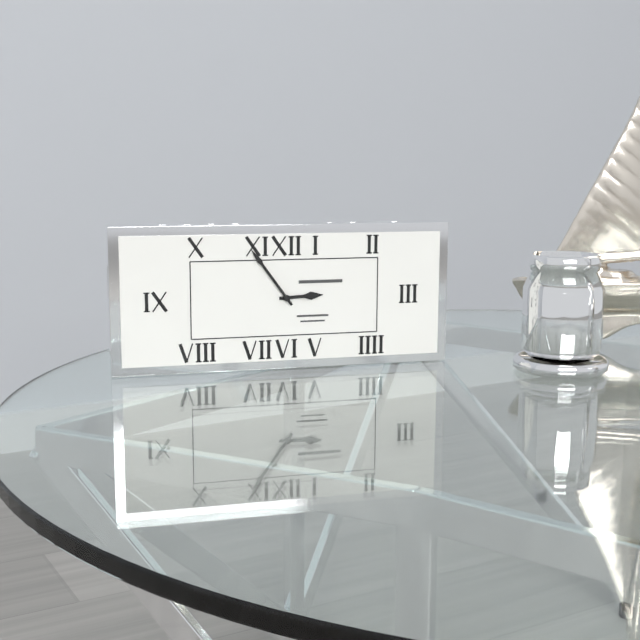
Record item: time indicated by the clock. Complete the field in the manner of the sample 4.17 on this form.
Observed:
2.54
